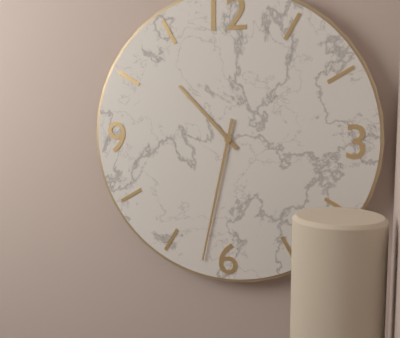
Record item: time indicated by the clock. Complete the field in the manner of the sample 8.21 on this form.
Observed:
10.32
